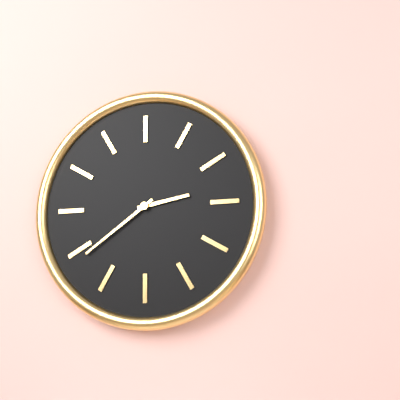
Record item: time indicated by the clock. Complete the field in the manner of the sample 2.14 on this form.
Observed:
2.39
